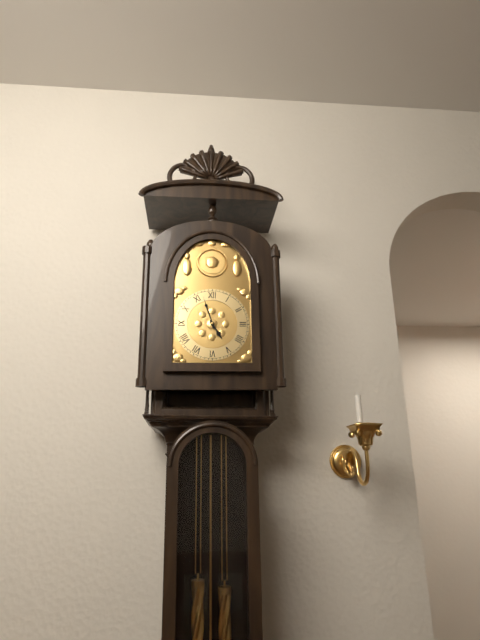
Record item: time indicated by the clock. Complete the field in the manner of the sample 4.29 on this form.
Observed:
4.57
